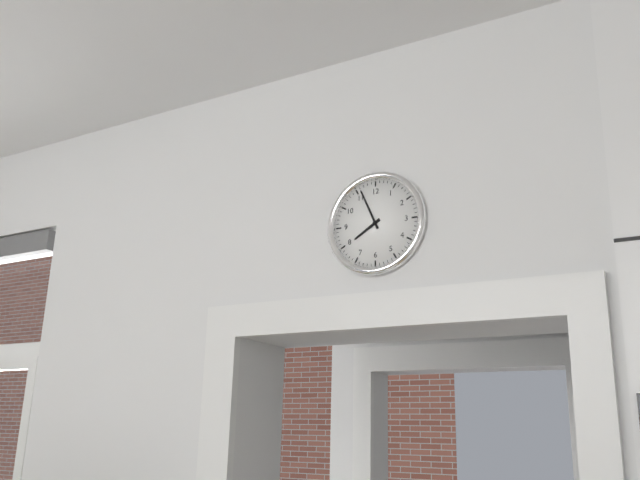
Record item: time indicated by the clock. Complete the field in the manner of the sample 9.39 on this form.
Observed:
7.56
